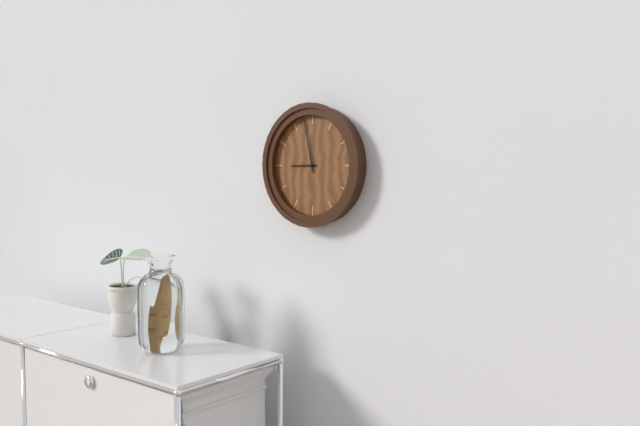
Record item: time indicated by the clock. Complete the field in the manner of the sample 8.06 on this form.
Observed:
8.58
